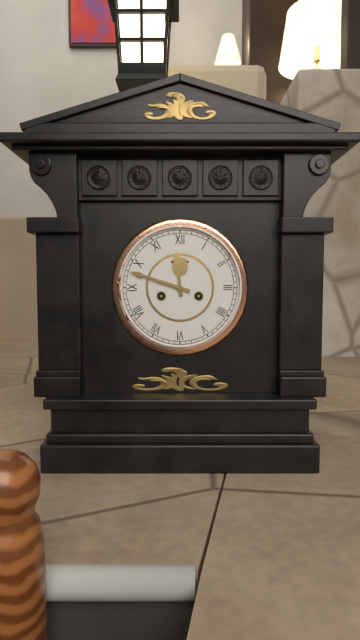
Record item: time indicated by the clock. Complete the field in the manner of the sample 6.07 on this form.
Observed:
11.48
